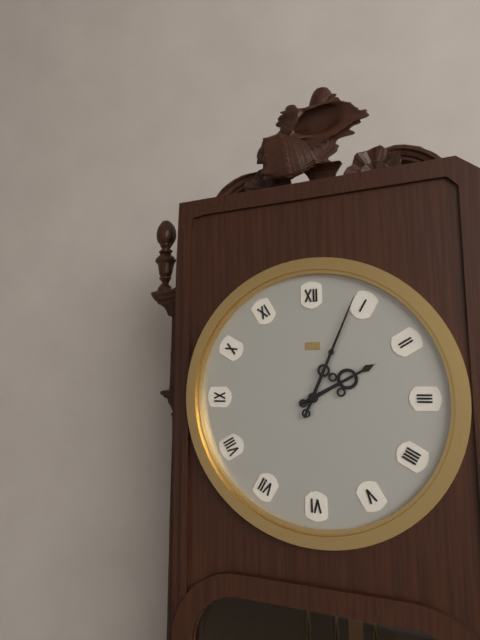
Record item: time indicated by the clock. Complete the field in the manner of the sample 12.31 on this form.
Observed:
2.04
